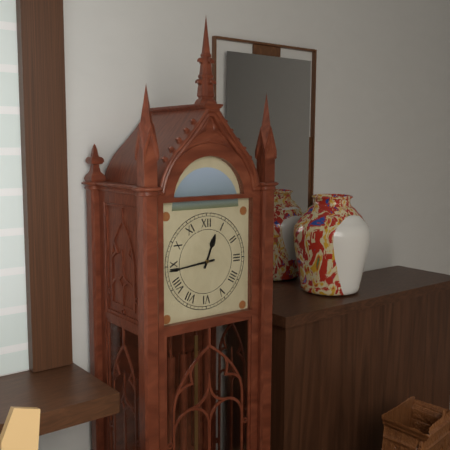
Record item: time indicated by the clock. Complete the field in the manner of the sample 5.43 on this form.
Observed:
12.44
